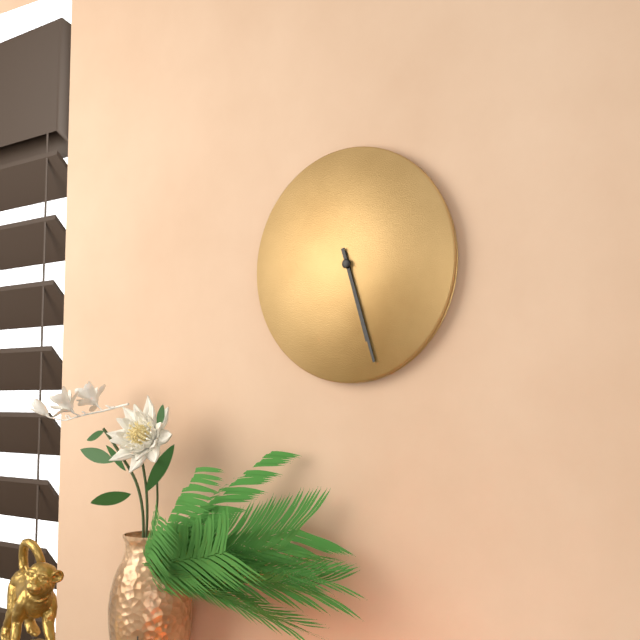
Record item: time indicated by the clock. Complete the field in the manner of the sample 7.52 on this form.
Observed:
5.27
